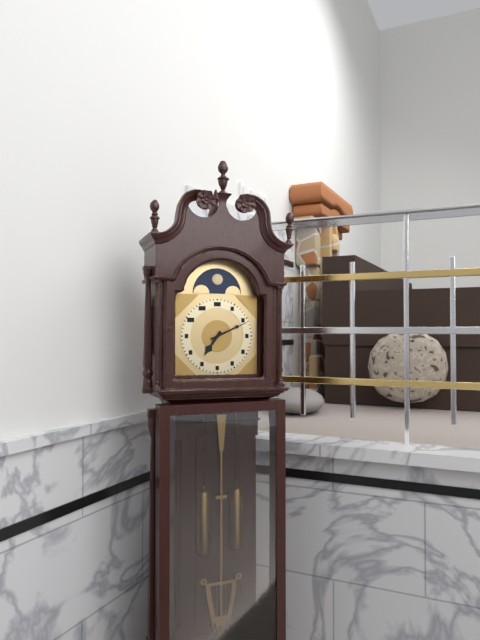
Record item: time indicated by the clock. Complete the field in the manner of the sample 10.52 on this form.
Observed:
7.11
